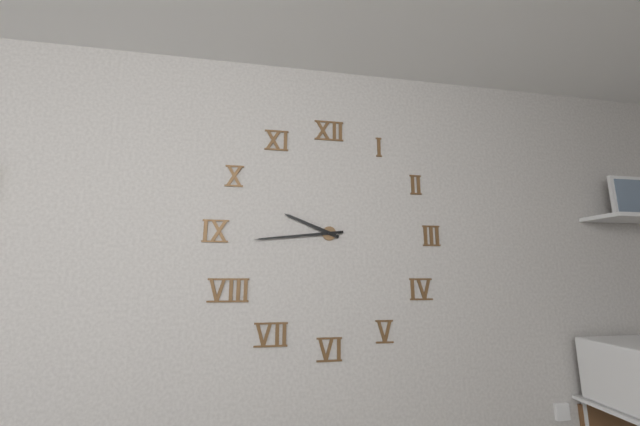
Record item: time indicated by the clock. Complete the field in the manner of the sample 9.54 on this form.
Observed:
9.44
